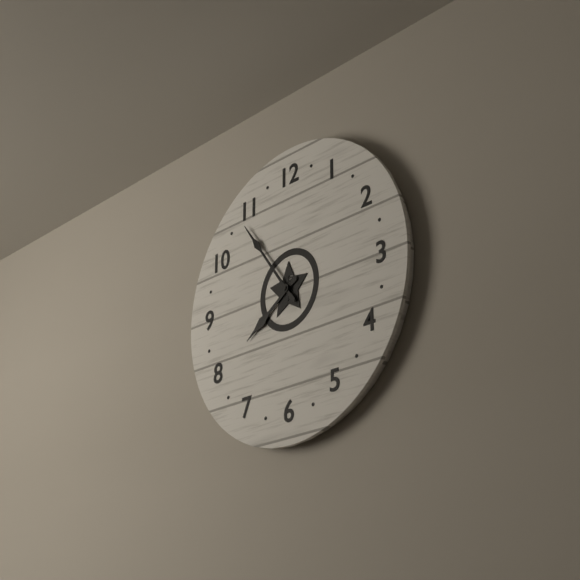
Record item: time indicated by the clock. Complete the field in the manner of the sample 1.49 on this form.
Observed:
7.54
